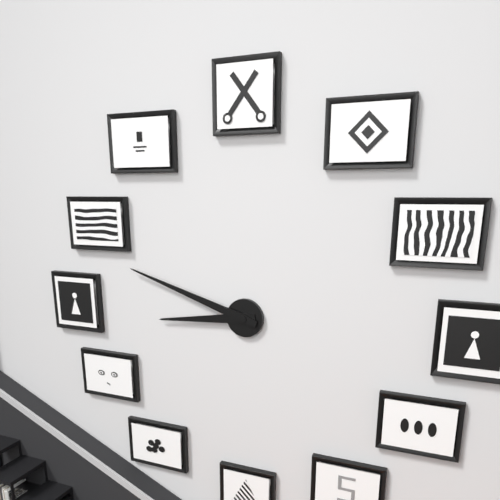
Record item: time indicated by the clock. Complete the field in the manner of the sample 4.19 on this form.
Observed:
8.48
